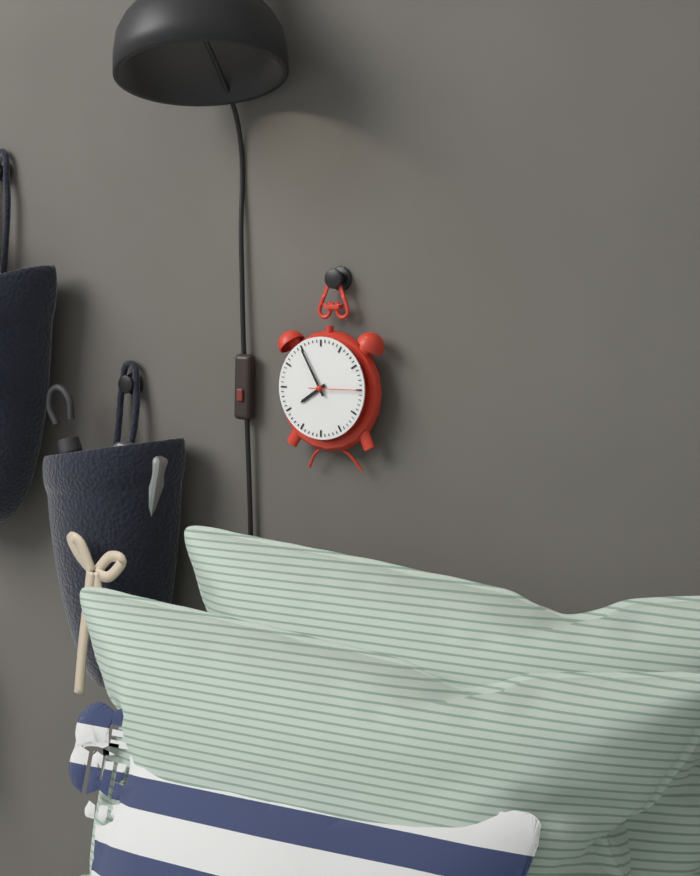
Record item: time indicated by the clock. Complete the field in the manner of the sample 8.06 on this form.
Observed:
7.55
